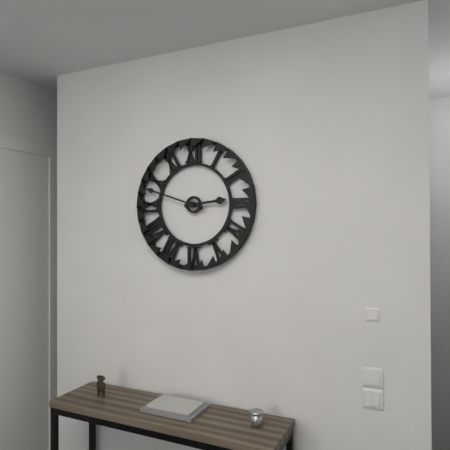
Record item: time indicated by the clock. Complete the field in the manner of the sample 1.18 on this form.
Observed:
2.48
